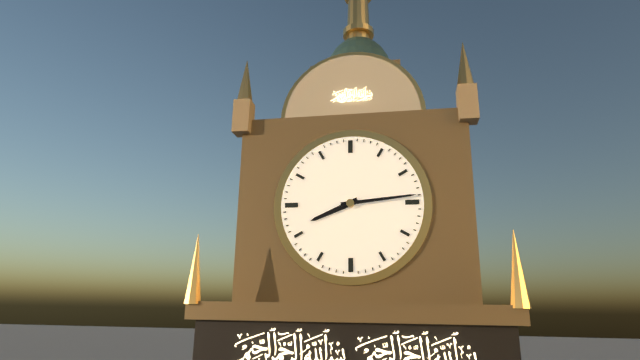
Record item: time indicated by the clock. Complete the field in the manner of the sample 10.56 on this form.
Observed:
8.14
